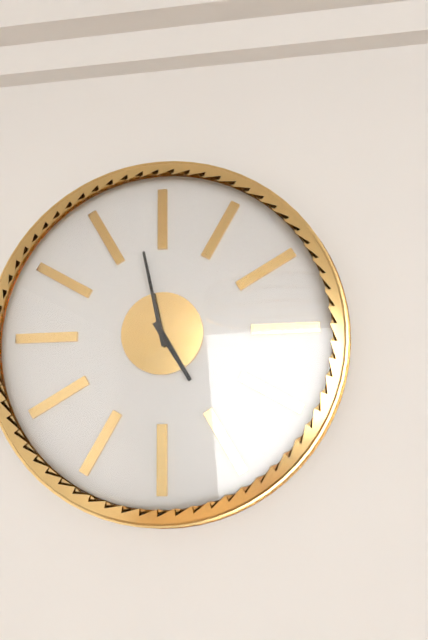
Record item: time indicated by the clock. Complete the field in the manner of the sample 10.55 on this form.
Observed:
4.58
